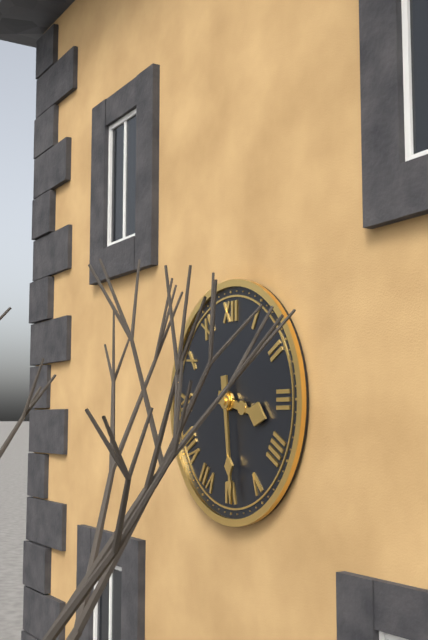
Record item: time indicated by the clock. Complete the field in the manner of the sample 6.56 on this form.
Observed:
3.29
